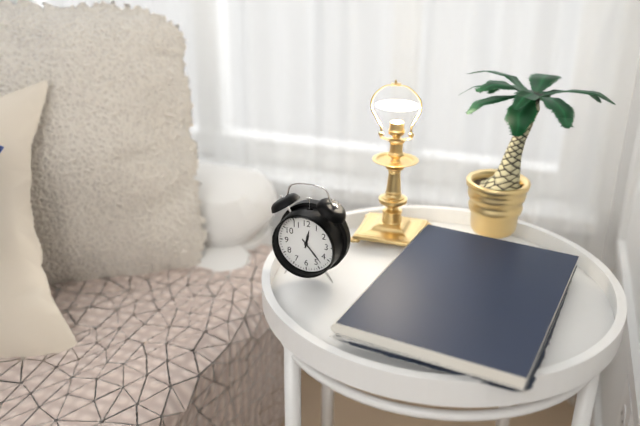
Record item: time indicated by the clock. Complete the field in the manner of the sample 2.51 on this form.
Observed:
12.23
